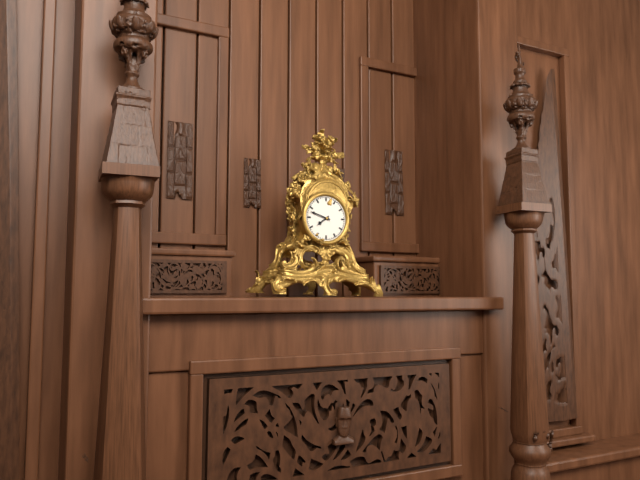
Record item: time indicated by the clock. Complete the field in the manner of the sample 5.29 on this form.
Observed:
7.48
